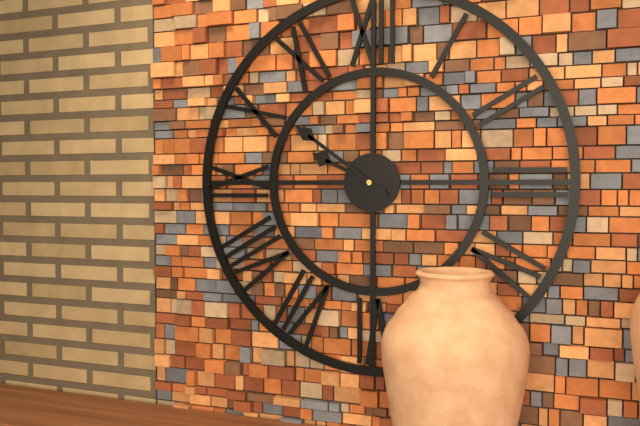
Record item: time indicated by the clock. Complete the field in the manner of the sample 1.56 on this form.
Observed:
9.51
